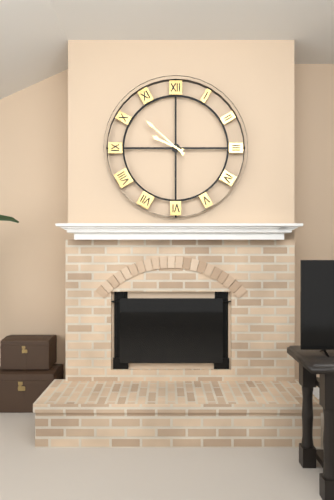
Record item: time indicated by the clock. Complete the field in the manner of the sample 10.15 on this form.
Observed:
9.52
